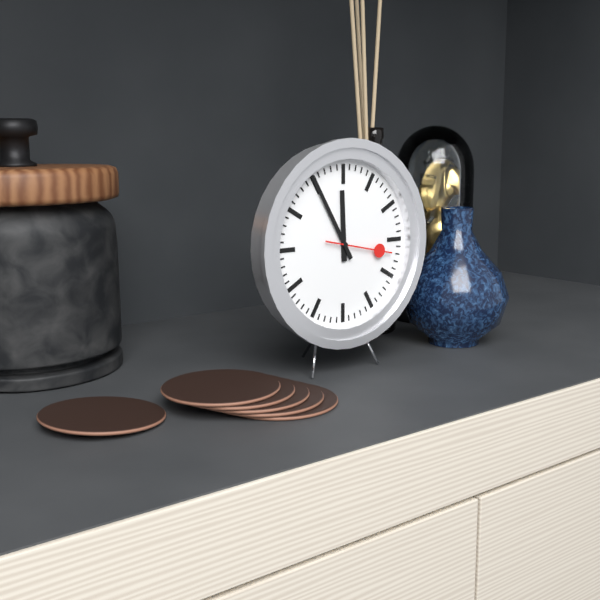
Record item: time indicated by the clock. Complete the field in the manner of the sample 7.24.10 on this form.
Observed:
11.55.17
